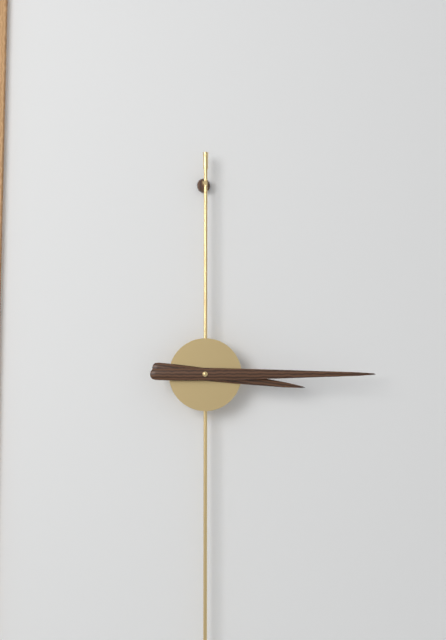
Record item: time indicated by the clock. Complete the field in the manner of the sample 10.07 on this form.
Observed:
3.15
